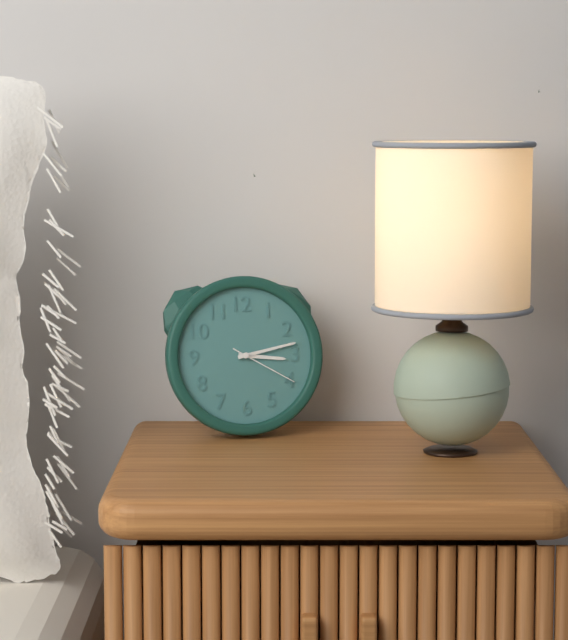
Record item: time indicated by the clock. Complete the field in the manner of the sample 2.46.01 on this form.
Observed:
3.13.20
